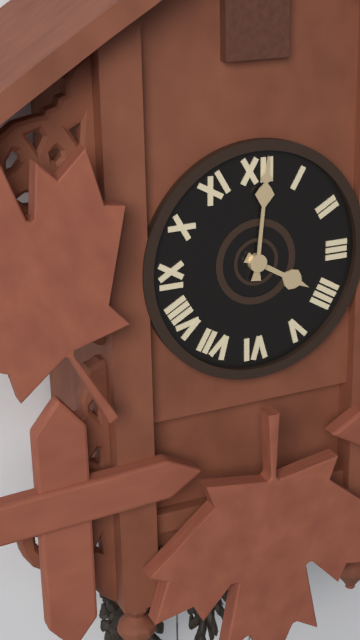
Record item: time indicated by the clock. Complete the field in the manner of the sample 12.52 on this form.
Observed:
4.01
